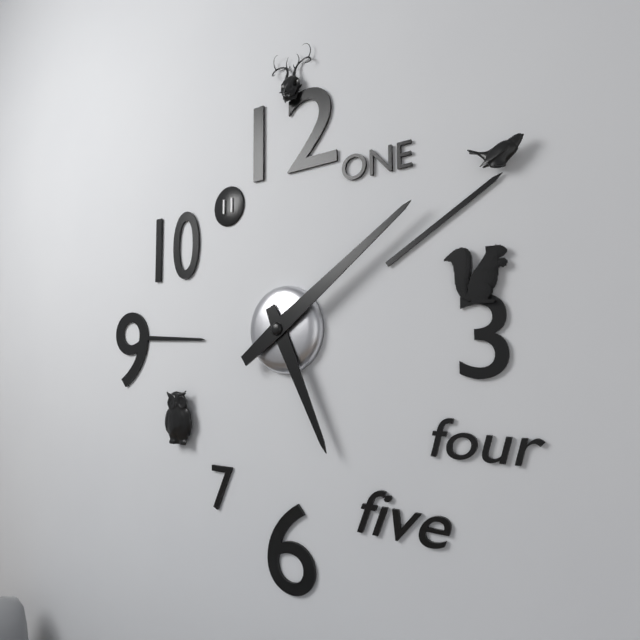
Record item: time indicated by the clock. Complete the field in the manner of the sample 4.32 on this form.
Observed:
5.09
